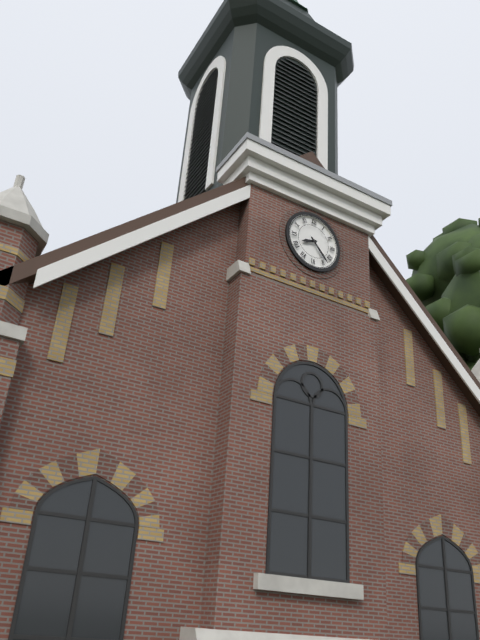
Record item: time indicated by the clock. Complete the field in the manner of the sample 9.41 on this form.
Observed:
8.23
